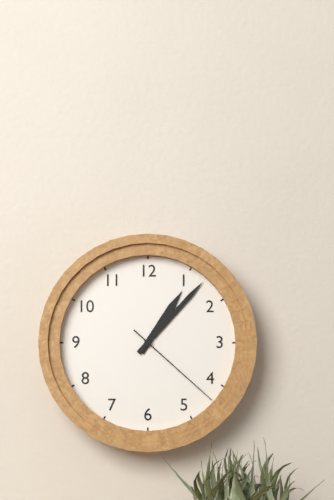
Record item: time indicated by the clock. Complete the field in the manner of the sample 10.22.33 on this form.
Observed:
1.07.22
